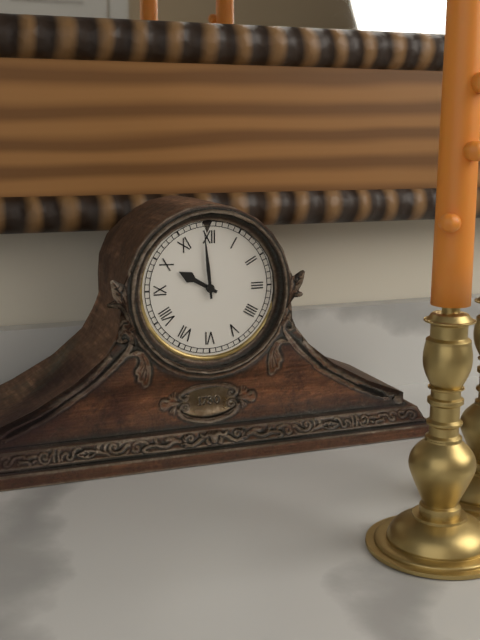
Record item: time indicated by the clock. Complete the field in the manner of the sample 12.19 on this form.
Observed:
9.59
